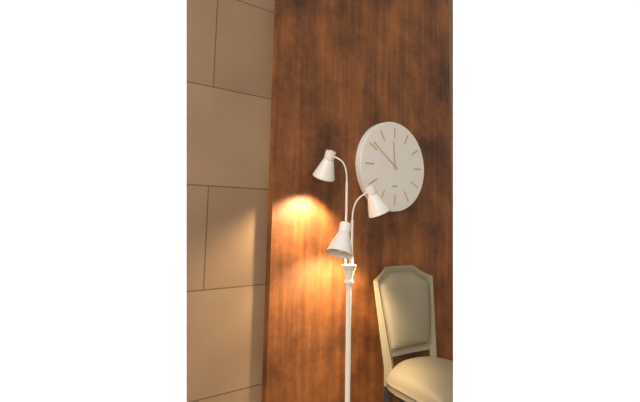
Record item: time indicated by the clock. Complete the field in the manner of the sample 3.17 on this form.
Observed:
11.51
